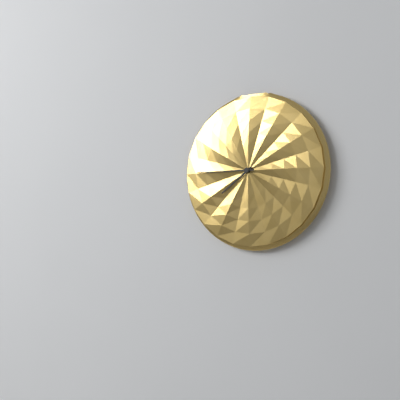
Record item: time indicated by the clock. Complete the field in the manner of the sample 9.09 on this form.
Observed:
7.45
